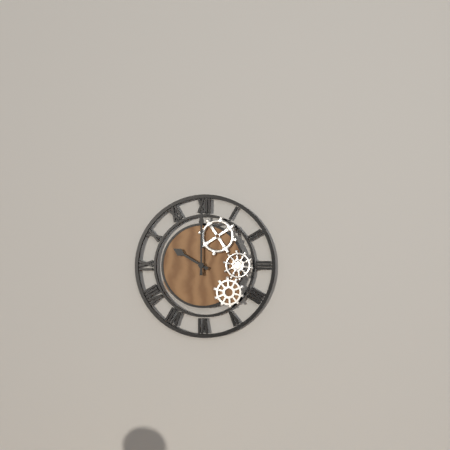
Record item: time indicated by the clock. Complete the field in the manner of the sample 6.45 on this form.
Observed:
10.00
